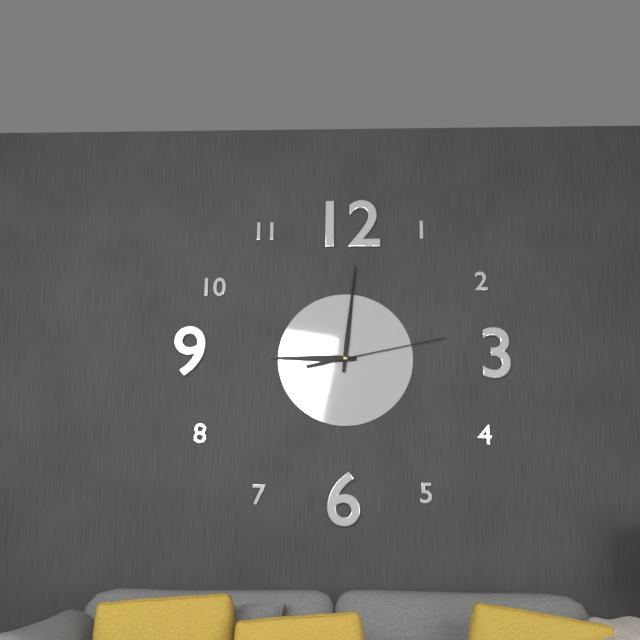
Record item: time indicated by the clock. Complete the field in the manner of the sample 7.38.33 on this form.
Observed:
9.01.13
